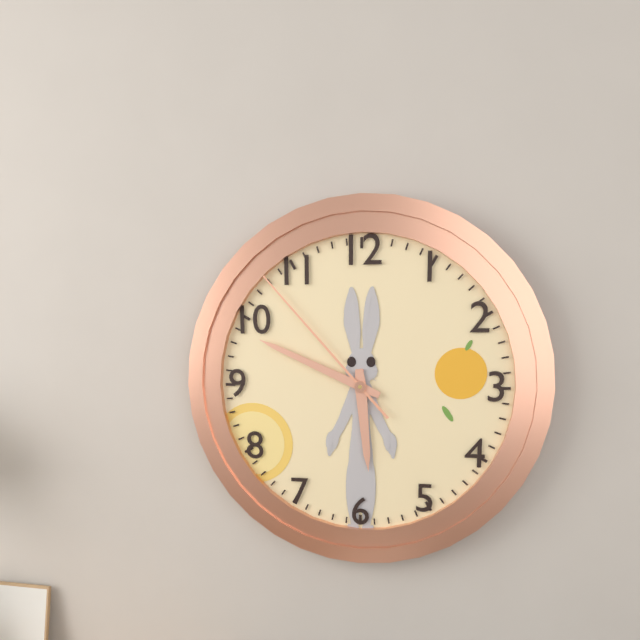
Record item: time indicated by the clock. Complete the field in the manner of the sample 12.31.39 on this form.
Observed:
5.49.53
